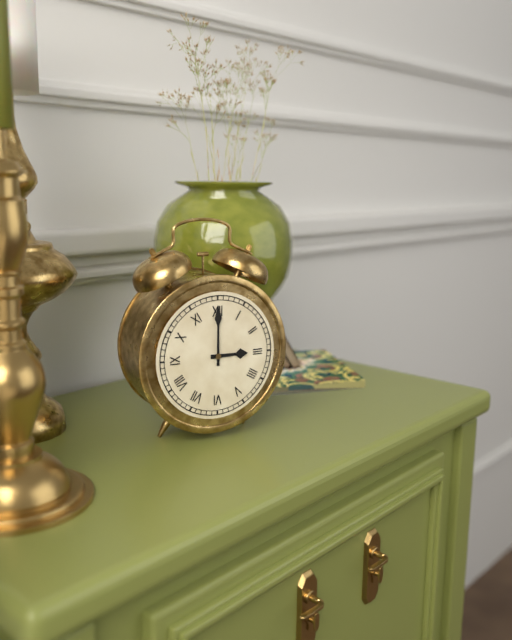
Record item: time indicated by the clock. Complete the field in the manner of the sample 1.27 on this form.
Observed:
3.00
